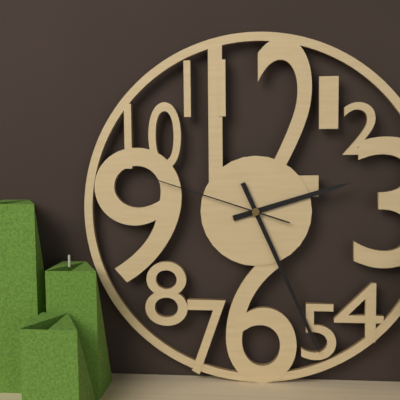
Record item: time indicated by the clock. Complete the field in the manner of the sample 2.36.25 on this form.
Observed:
2.26.48
